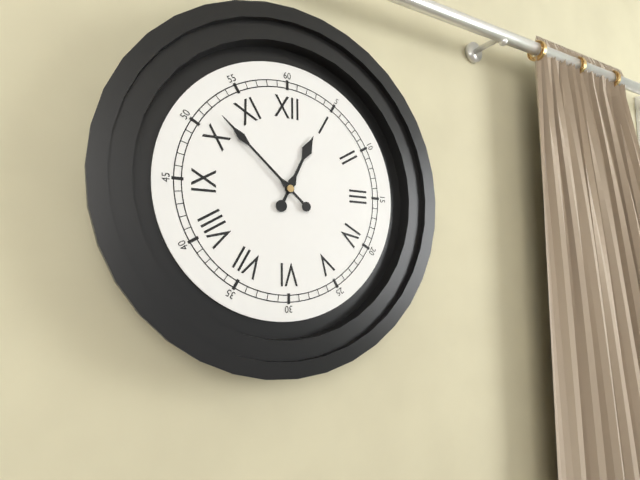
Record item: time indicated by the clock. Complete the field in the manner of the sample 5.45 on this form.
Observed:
12.52
